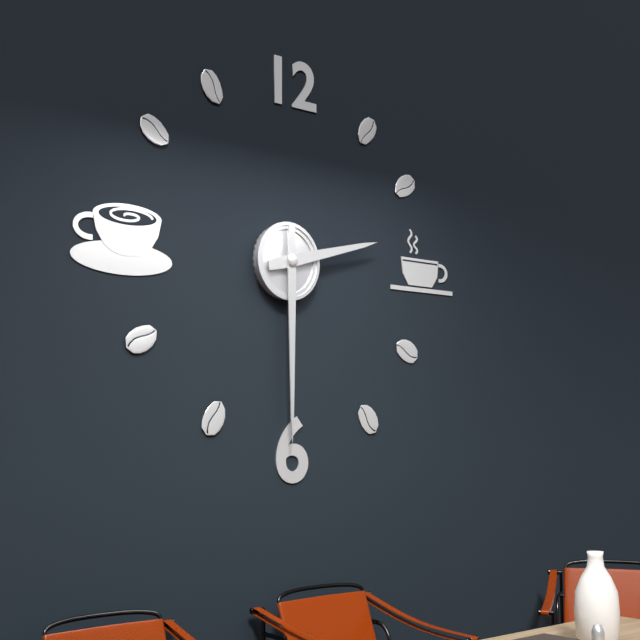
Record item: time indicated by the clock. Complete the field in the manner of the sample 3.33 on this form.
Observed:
2.30
